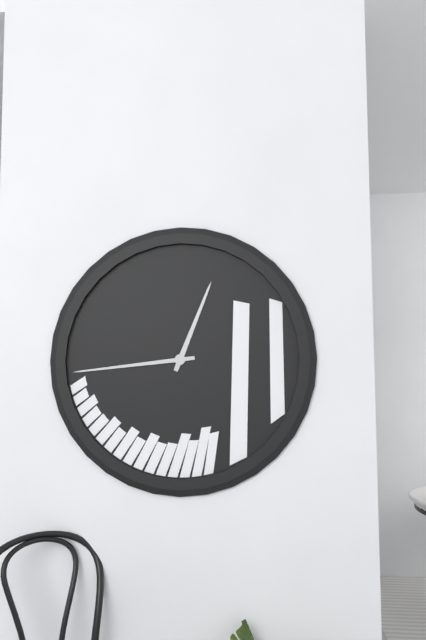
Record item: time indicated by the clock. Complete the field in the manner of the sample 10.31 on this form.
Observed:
12.44
